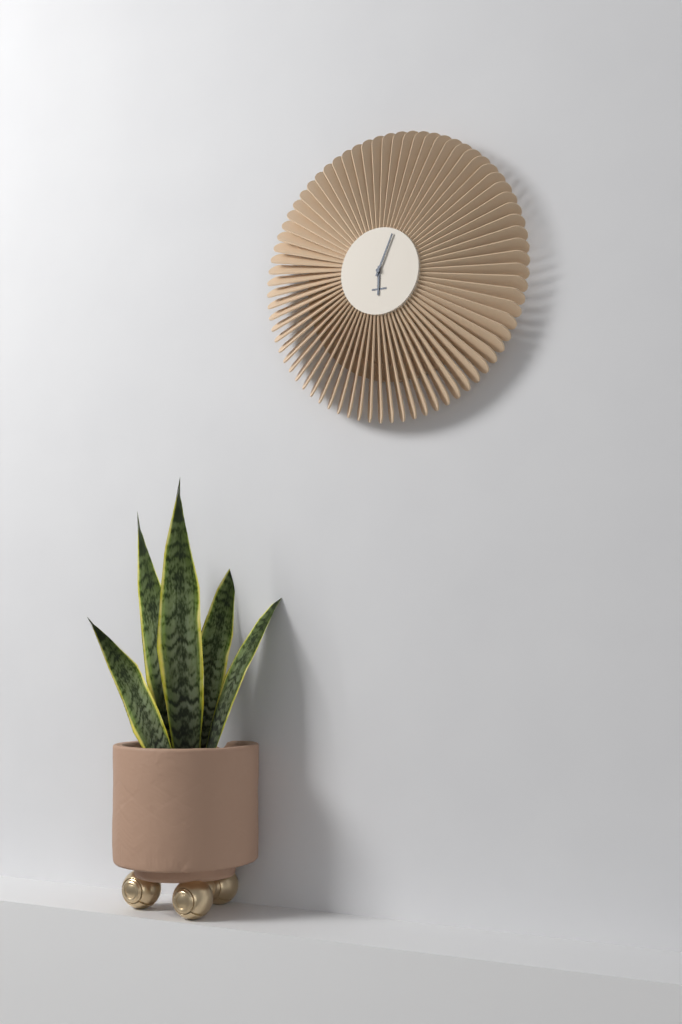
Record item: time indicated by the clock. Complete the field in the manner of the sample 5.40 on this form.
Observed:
6.04
